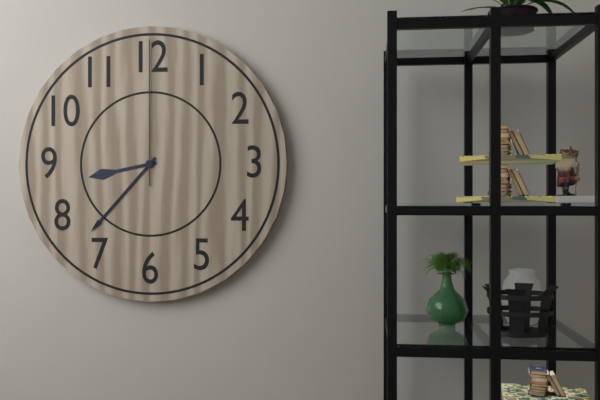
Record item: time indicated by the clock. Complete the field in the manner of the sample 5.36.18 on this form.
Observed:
8.37.00
